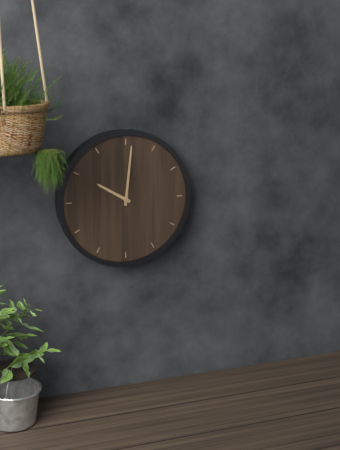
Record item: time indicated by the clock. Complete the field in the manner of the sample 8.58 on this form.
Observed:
10.01
